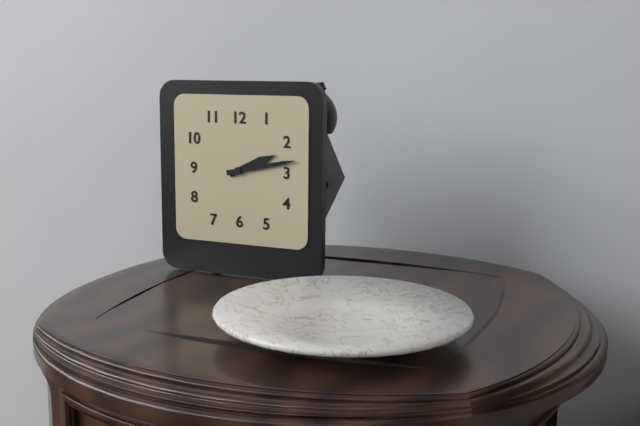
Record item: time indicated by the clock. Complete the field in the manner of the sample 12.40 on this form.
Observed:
2.13
